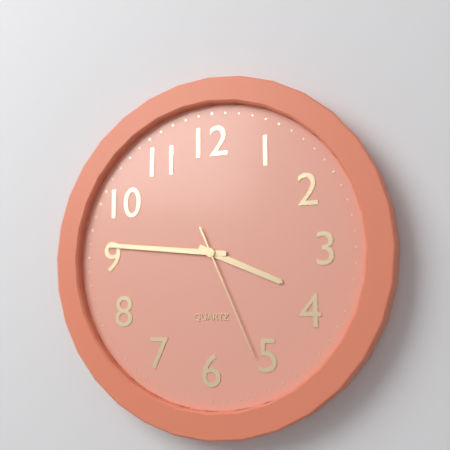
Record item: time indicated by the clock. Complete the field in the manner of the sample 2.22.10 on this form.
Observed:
3.46.26
